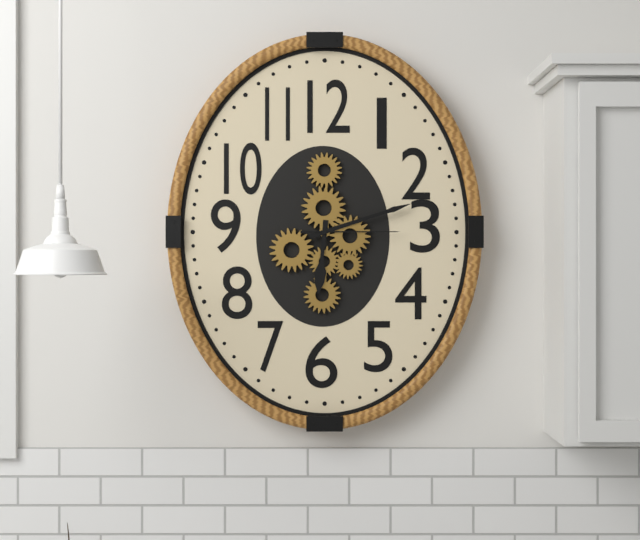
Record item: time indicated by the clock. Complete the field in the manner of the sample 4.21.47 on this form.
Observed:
6.12.15
